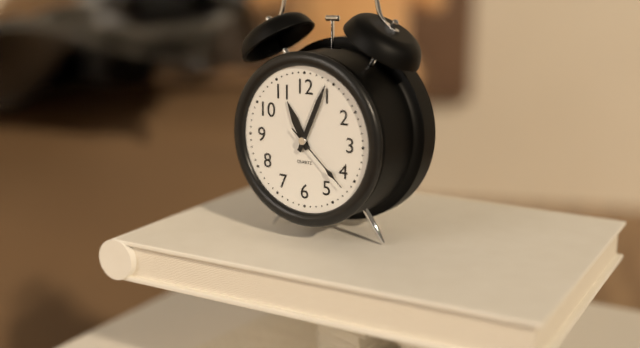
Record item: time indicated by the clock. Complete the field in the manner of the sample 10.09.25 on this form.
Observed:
11.04.22
